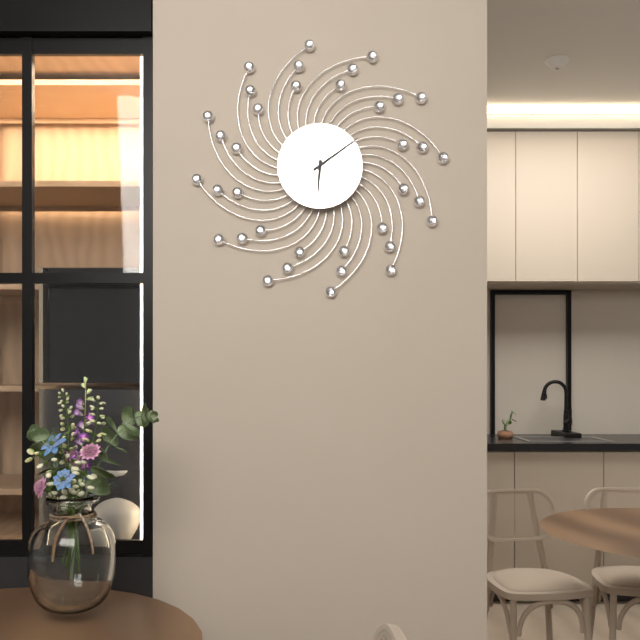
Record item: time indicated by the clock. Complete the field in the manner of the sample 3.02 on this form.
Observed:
6.09
